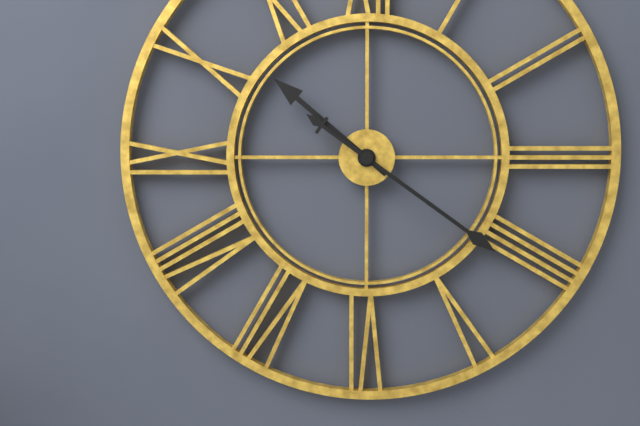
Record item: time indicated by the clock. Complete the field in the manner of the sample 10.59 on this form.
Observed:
10.21
